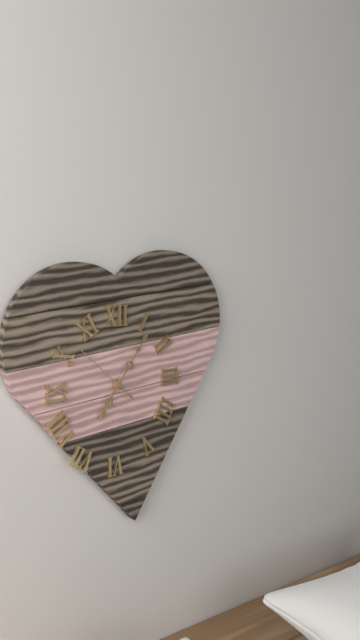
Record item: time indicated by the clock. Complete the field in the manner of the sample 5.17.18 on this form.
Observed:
7.06.52
